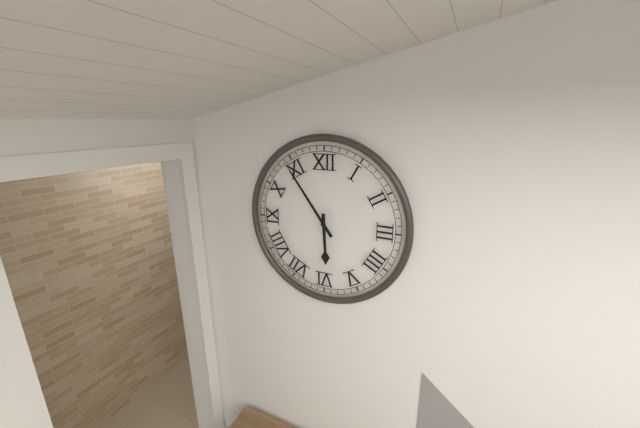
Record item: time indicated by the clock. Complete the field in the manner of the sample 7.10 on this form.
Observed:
5.54
